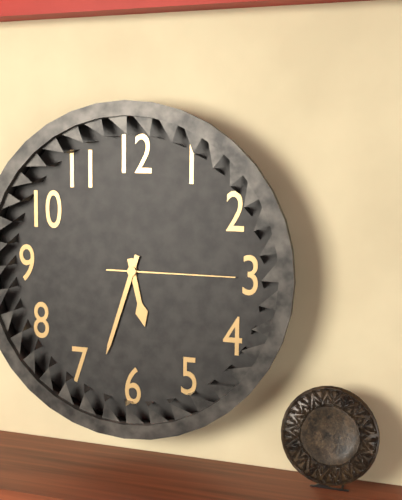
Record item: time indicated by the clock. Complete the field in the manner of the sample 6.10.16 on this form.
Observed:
5.33.15
